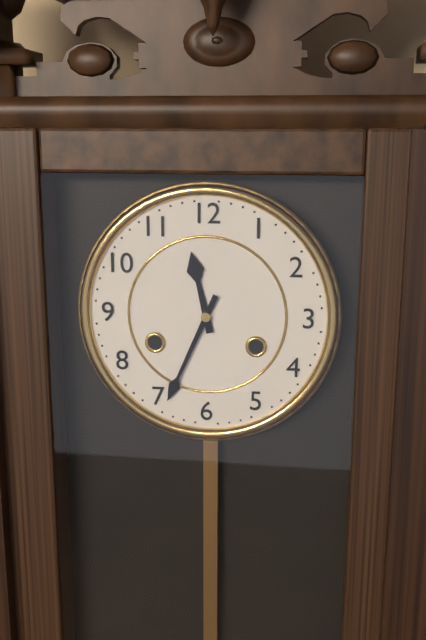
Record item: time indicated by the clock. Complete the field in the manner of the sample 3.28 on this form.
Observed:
11.34
